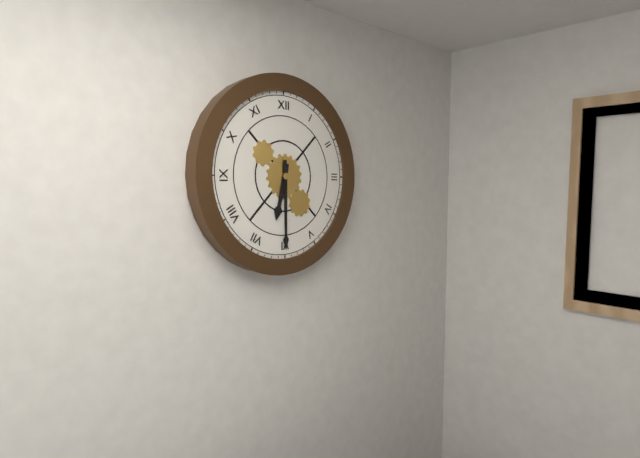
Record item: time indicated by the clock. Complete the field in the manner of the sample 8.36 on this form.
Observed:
6.30
